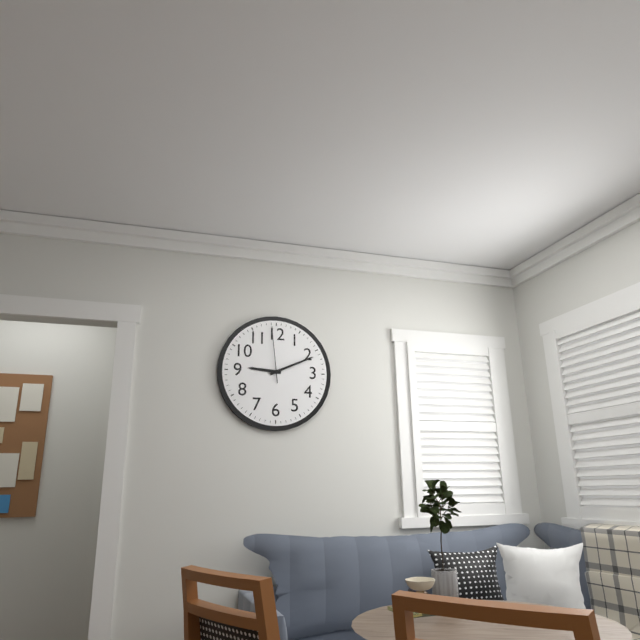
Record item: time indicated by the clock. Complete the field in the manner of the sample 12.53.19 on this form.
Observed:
9.11.59
